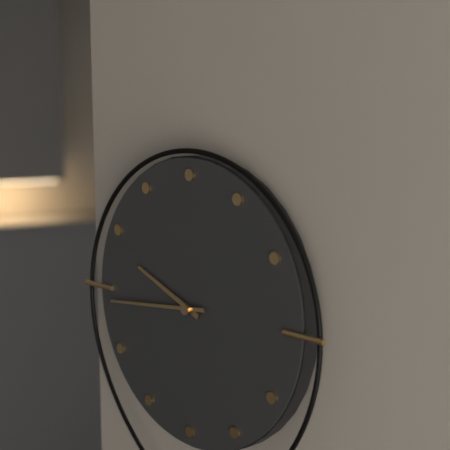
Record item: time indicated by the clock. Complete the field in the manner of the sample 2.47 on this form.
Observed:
9.44
